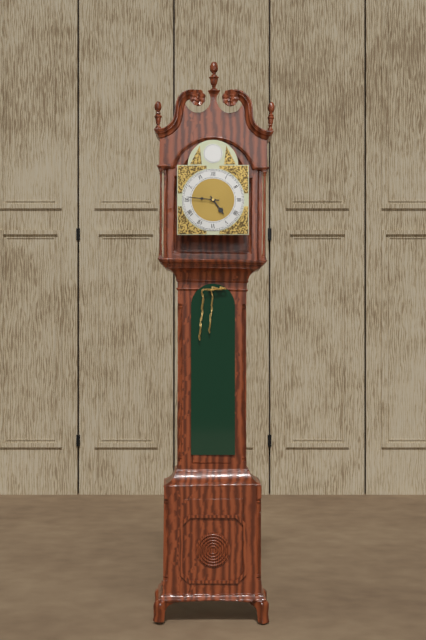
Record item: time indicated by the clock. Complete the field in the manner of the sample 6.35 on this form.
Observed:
4.46
